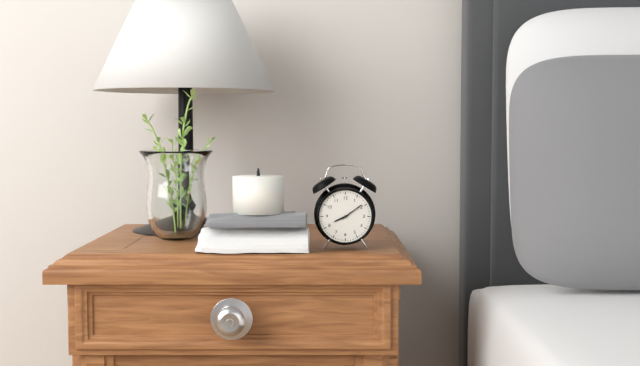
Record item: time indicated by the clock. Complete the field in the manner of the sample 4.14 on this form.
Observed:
8.09
